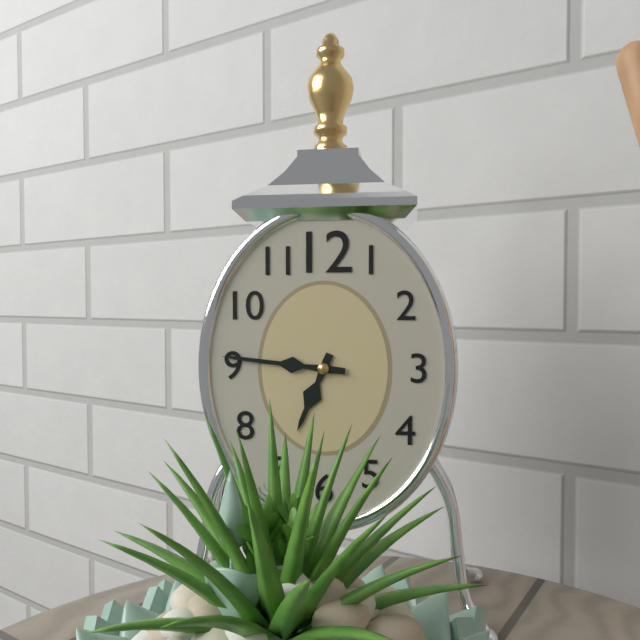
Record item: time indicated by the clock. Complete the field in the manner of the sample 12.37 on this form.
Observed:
6.46
